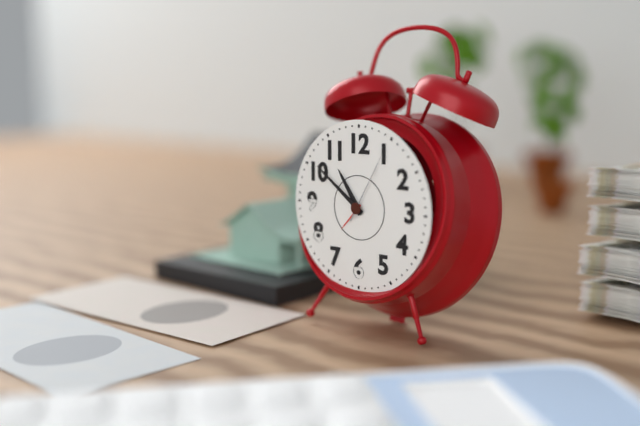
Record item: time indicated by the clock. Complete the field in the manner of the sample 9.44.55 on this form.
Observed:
10.51.05
